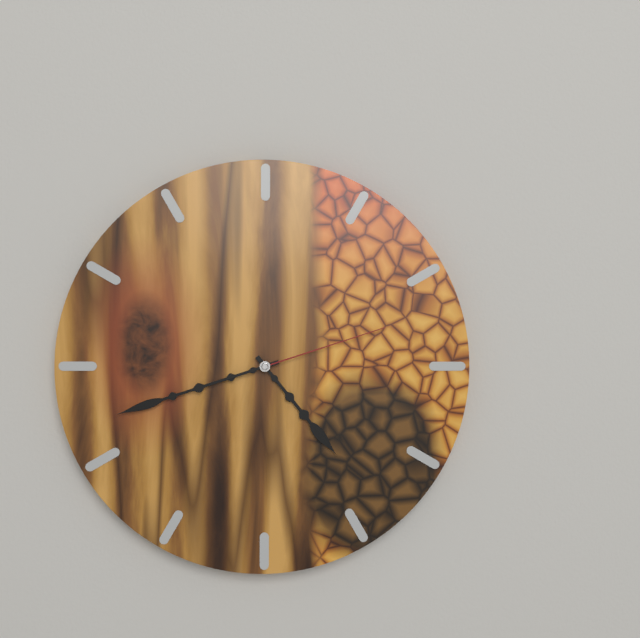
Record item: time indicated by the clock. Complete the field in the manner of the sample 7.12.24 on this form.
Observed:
4.42.12
